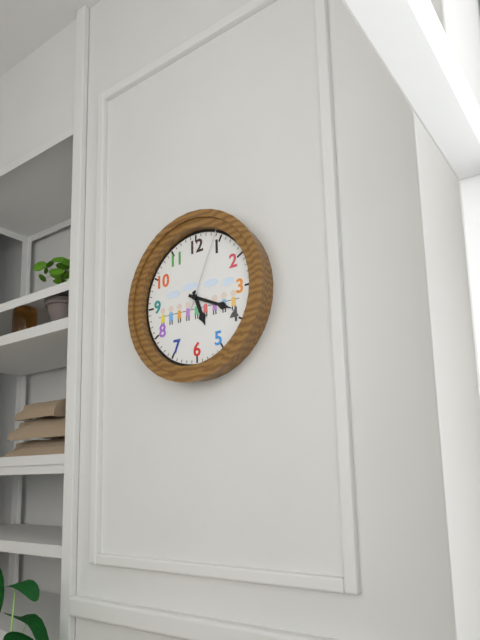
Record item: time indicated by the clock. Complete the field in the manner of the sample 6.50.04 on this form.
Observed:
5.19.04
